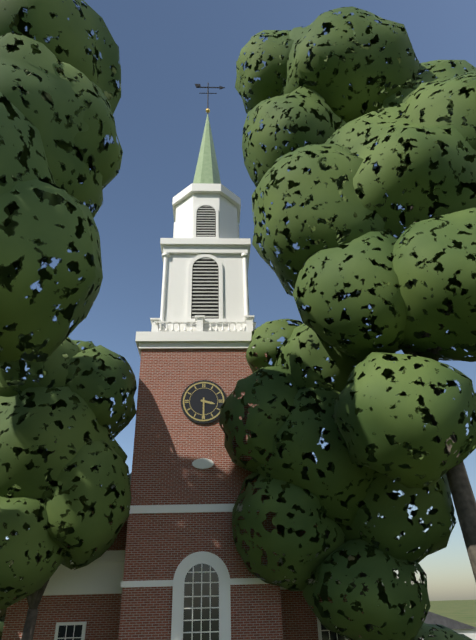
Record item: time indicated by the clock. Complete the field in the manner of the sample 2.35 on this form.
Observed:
3.30
